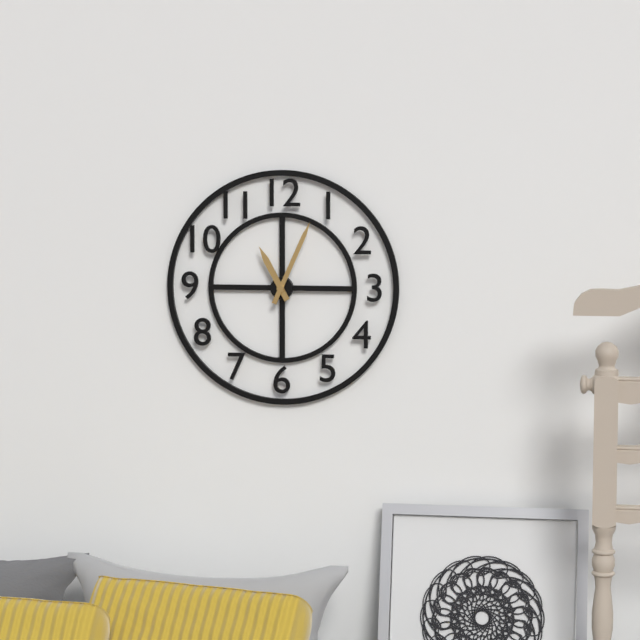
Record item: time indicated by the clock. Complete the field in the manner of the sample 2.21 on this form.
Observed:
11.04
